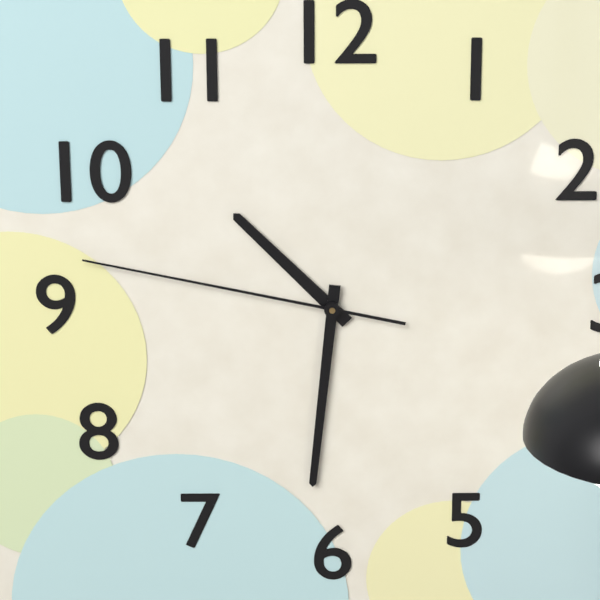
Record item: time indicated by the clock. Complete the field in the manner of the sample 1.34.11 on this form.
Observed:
10.31.47
